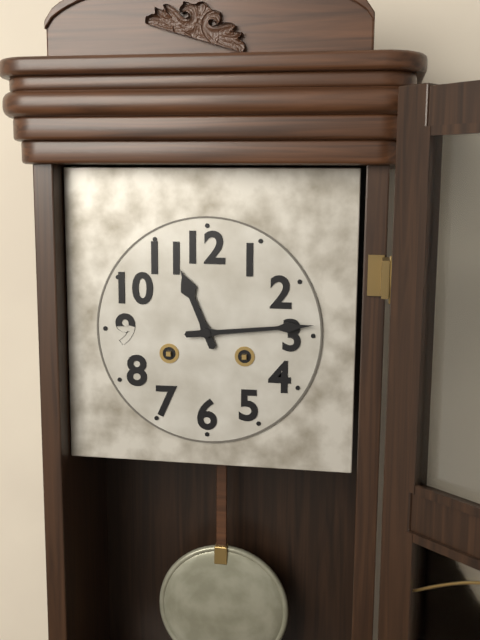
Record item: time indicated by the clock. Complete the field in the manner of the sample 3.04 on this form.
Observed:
11.14
